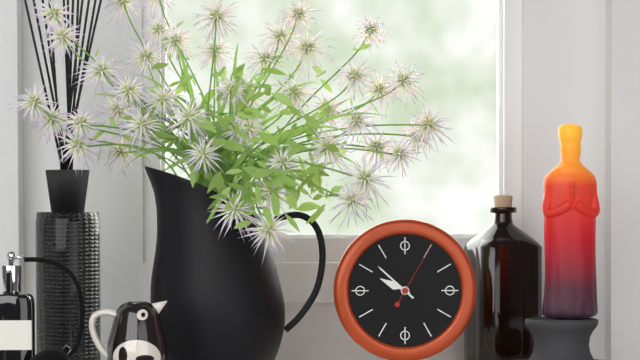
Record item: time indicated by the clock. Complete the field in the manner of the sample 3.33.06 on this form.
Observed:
9.52.05
